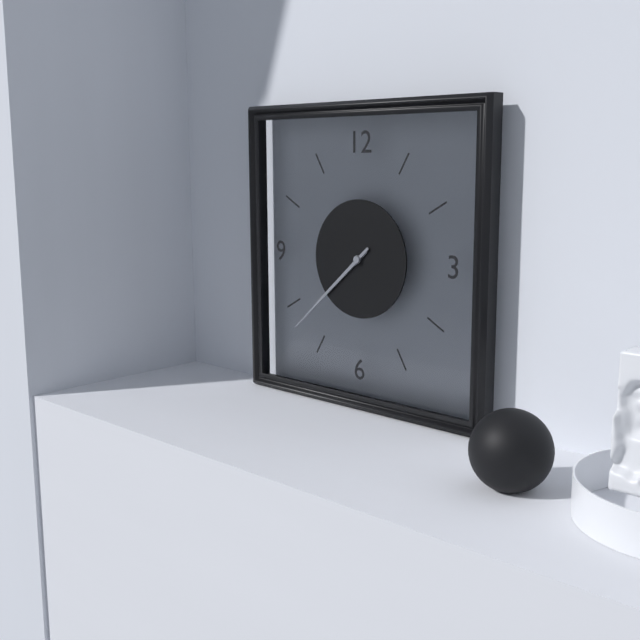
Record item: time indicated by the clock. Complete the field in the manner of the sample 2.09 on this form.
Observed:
7.38
